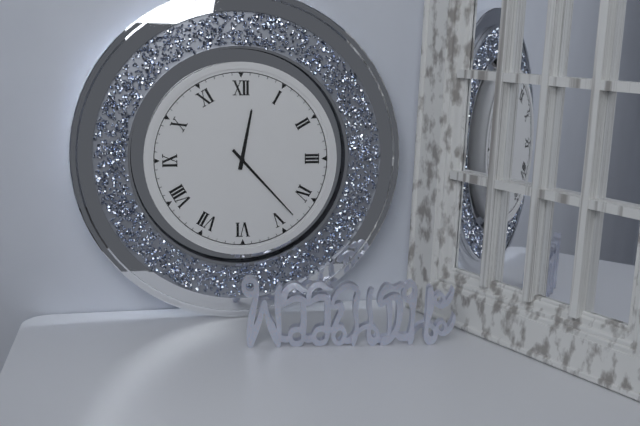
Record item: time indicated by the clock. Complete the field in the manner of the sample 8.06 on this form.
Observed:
12.23
